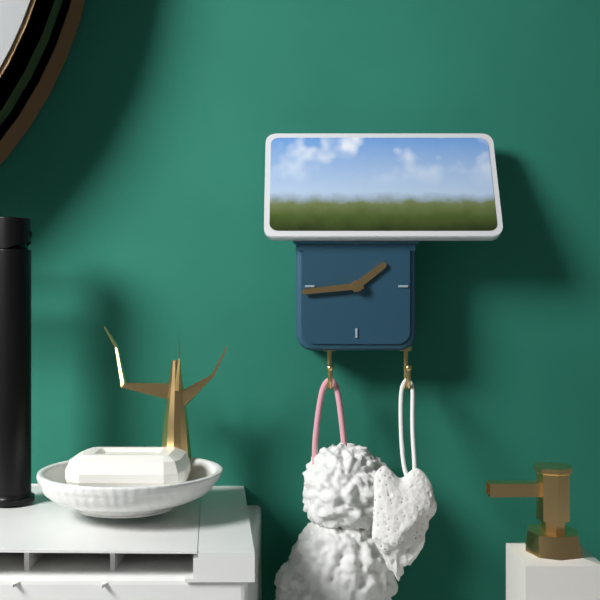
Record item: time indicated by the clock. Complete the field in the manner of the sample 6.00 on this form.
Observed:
1.44
